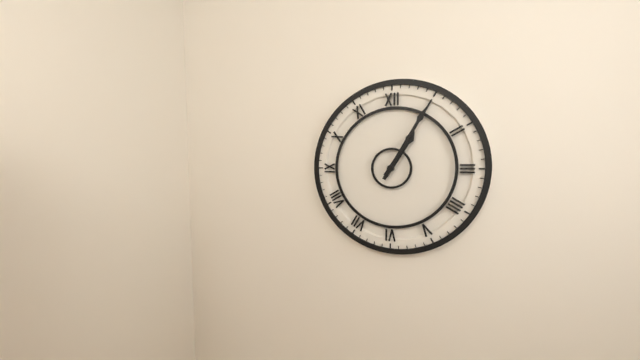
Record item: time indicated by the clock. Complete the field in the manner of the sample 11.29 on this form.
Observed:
1.05
